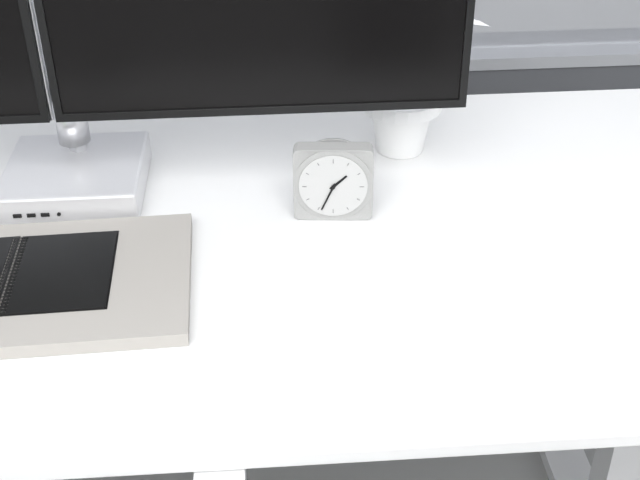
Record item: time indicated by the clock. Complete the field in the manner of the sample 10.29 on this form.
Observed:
1.34
